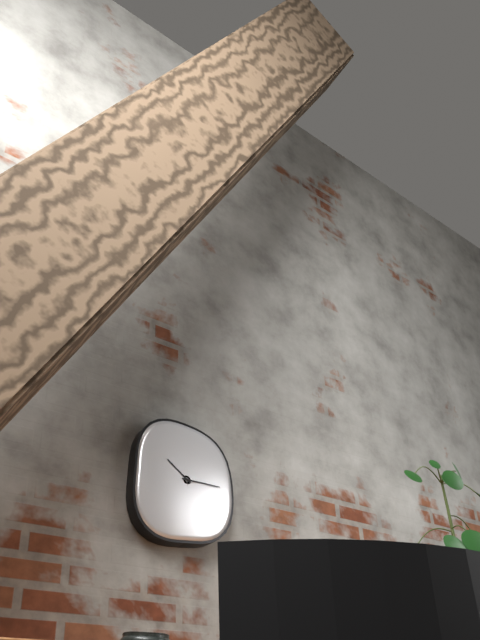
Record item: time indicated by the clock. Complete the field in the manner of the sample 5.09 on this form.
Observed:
10.15
